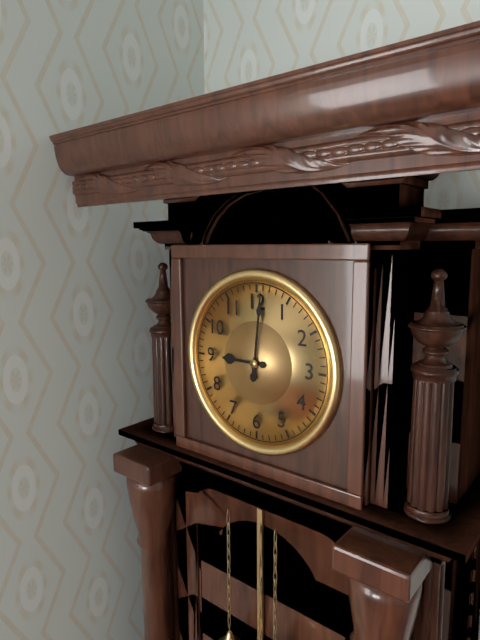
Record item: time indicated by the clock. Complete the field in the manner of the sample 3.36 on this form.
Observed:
9.01
